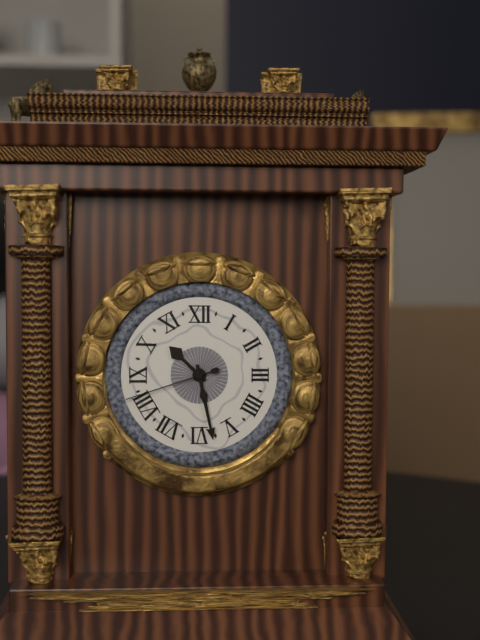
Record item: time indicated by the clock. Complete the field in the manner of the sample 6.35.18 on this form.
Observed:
10.28.42
